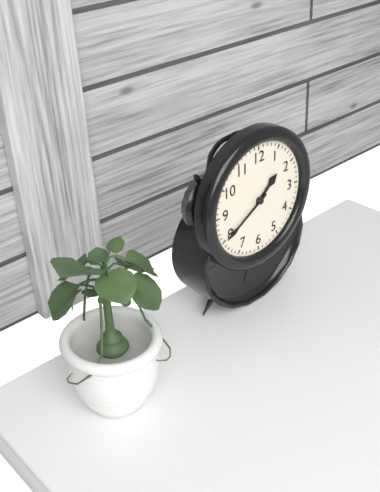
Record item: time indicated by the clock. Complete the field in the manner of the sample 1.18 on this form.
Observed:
1.40
